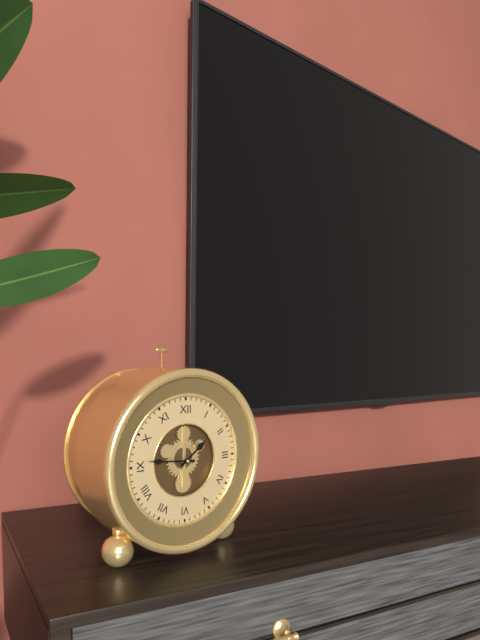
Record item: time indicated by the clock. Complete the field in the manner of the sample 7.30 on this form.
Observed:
1.46
